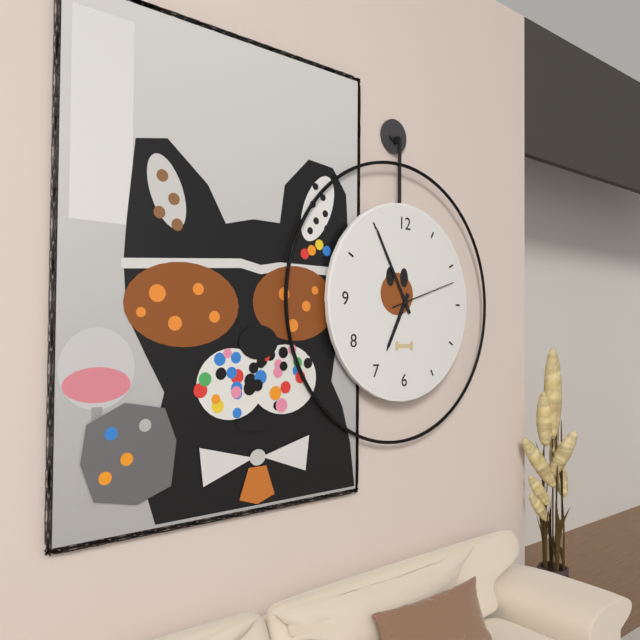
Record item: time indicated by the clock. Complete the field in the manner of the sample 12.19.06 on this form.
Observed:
6.55.12
